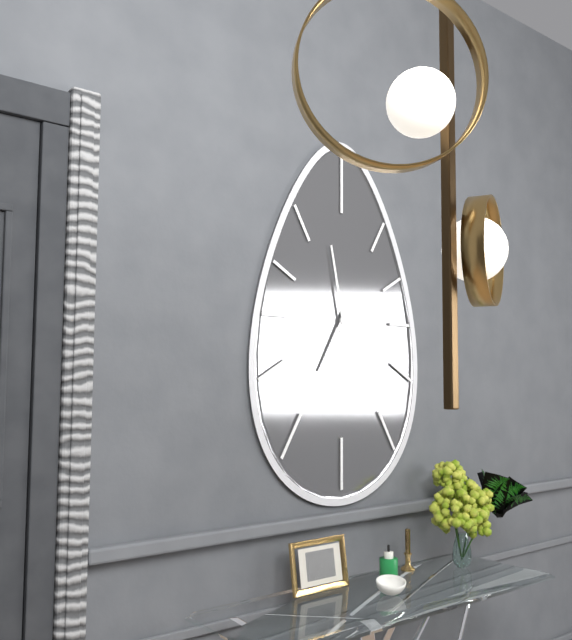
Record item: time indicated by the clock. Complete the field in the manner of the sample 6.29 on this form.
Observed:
6.58
